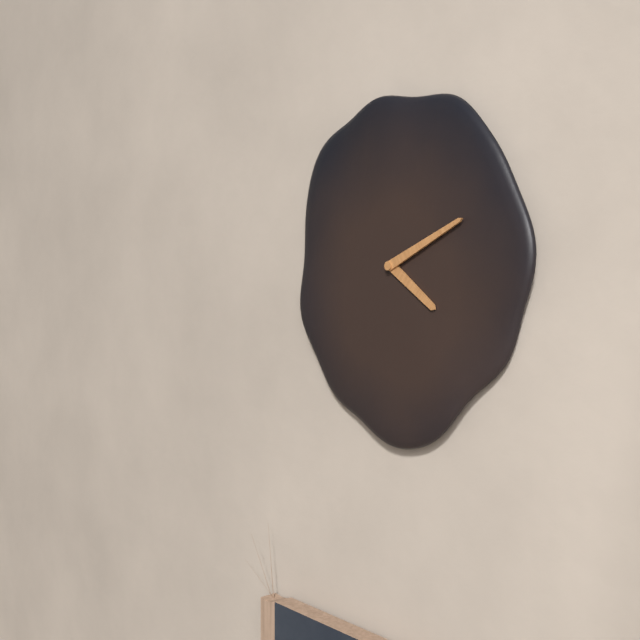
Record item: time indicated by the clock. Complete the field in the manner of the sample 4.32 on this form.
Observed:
4.11
